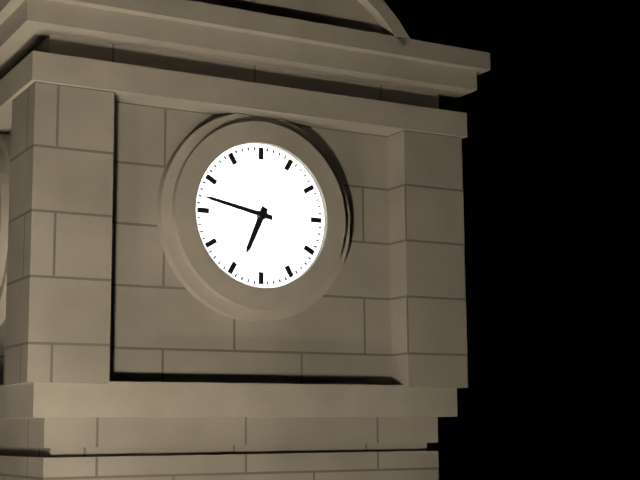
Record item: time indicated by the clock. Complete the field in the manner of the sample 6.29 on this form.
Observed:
6.47
